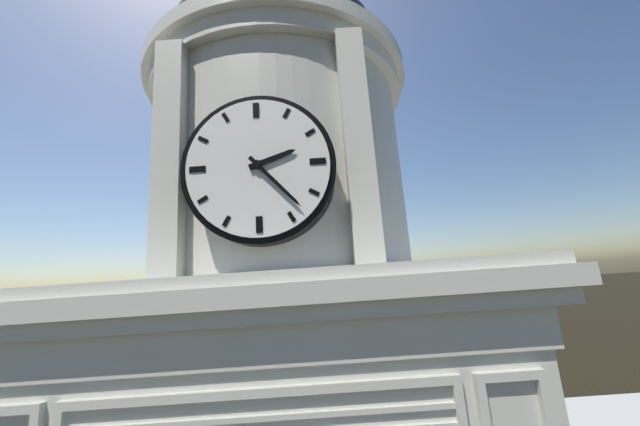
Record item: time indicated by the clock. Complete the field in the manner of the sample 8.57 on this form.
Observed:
2.23
